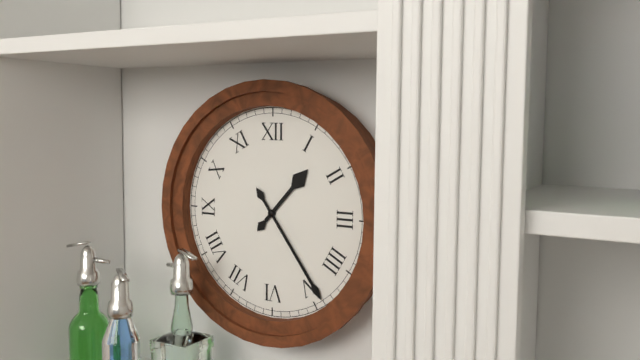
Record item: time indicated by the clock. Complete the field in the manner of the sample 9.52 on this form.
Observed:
1.24
